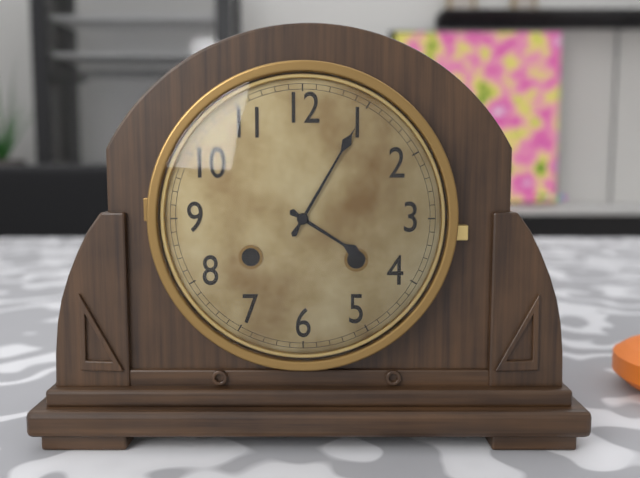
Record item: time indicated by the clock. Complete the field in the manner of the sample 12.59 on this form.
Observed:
4.05
